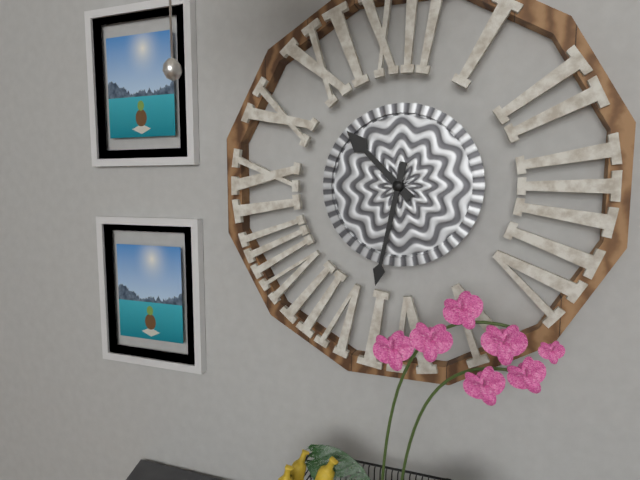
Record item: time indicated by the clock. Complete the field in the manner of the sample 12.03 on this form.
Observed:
10.32
